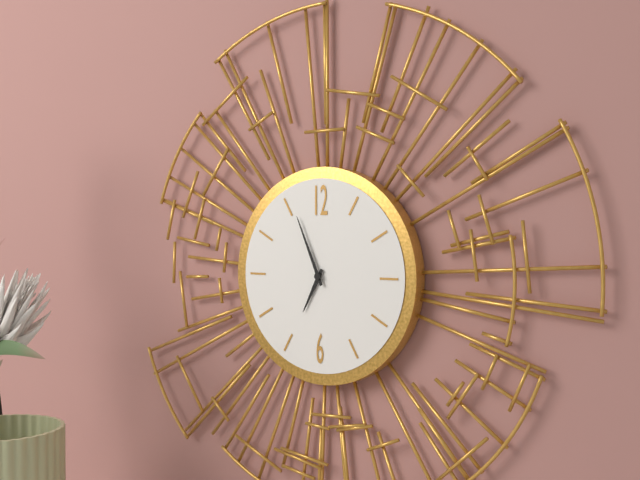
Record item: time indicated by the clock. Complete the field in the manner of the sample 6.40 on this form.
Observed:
6.56
